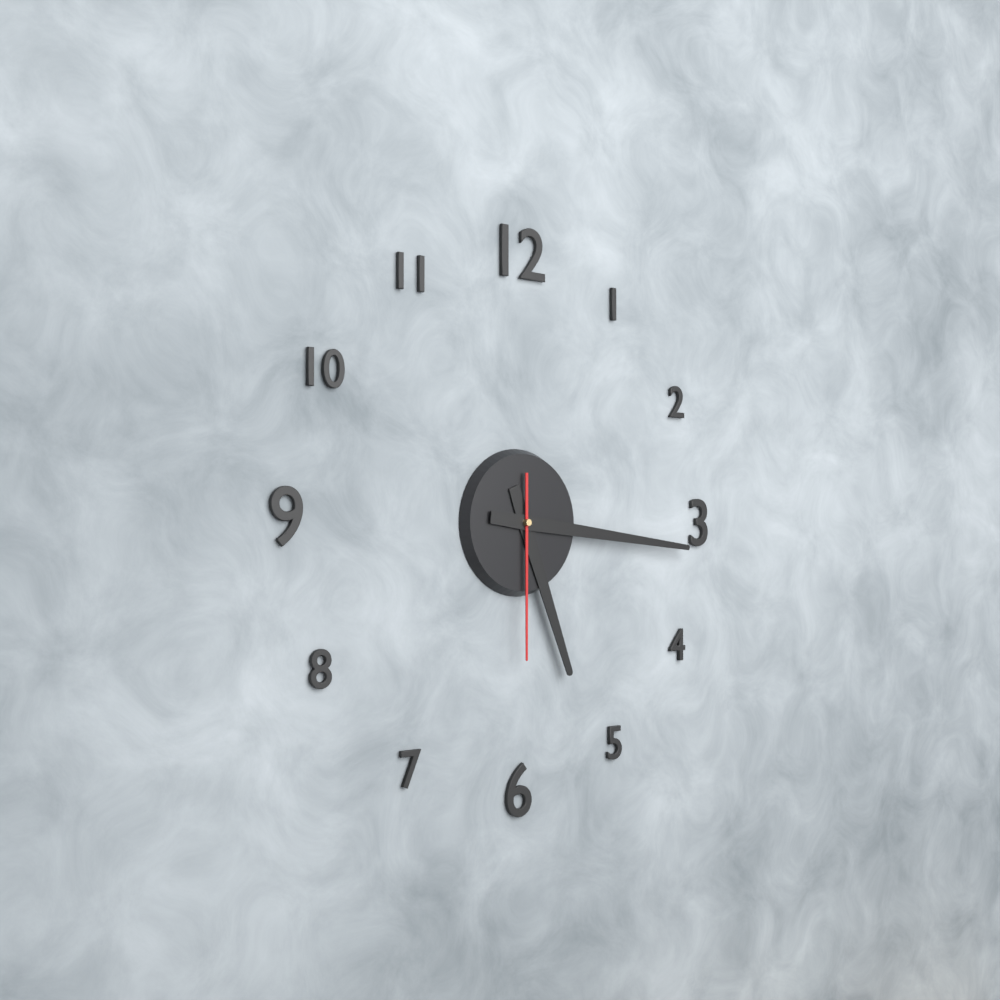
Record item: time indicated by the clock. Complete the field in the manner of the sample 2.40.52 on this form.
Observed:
5.16.30
